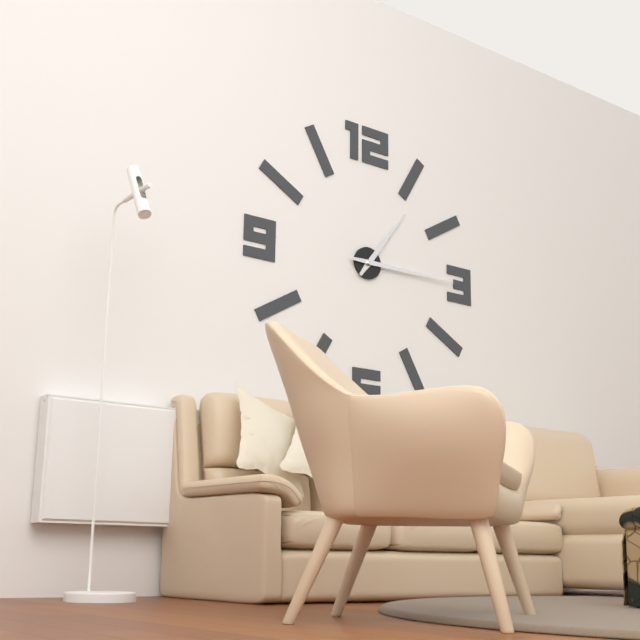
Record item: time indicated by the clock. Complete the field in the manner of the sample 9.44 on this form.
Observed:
1.15
